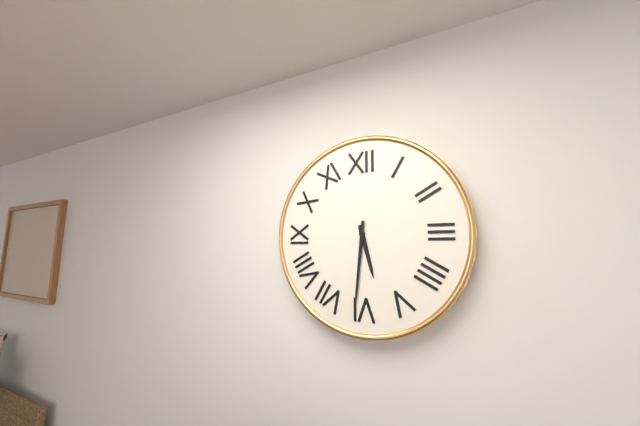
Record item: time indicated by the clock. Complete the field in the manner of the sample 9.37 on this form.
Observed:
5.31
